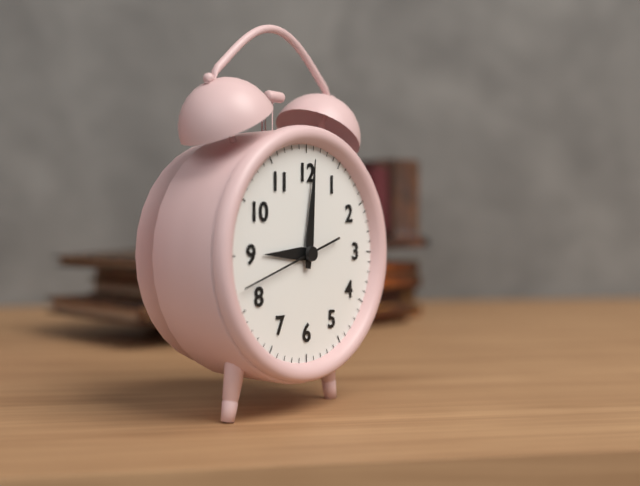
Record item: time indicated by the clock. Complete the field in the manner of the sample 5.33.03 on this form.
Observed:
9.01.42
